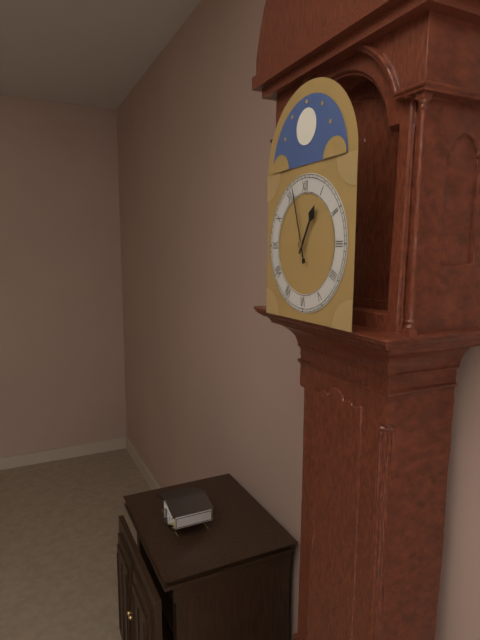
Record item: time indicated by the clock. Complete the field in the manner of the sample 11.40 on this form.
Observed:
12.57
